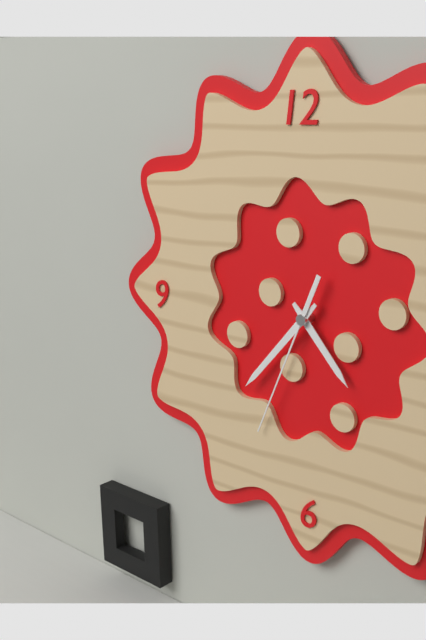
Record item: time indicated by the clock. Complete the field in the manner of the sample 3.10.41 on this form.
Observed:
4.37.34
